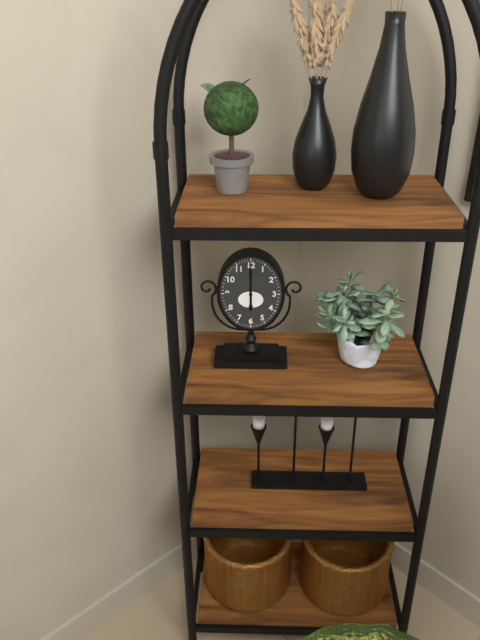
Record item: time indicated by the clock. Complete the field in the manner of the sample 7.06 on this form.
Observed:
6.00
